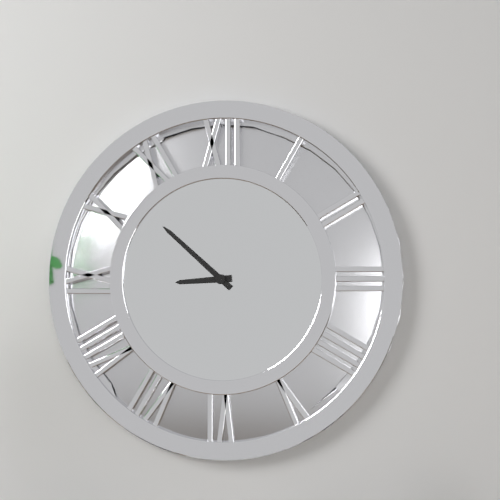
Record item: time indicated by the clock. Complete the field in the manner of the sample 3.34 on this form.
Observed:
8.52
